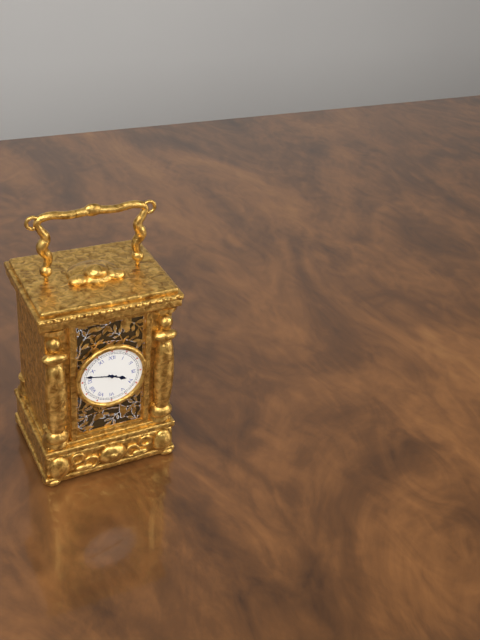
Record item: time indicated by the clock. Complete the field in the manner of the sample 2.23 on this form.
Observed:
3.47
